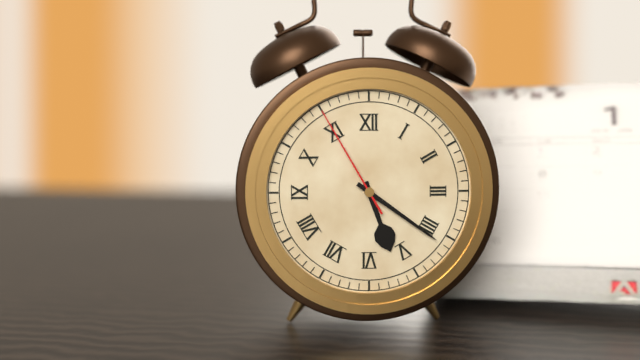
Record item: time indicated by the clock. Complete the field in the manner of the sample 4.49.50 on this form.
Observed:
5.21.55
